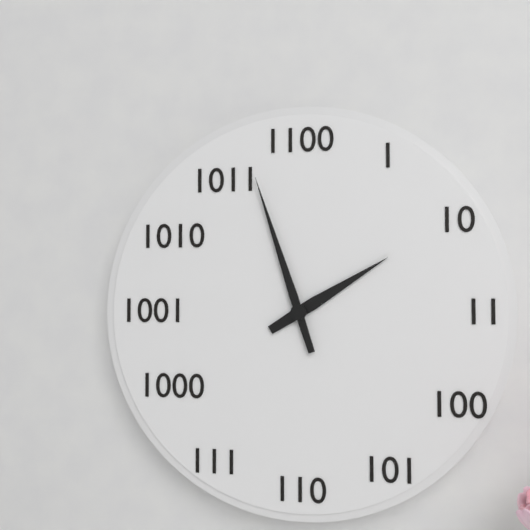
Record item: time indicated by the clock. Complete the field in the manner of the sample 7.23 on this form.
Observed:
1.57
